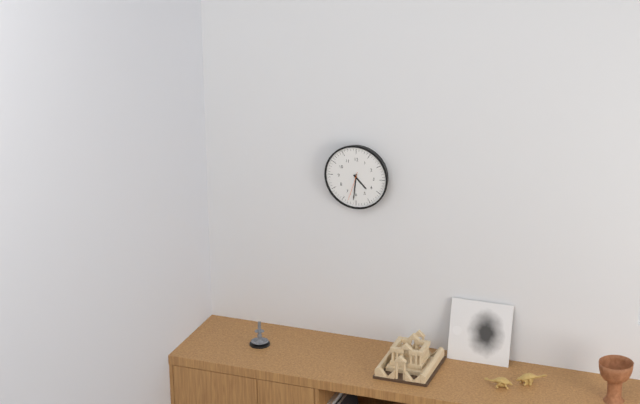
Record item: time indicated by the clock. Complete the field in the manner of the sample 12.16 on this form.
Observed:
4.31
